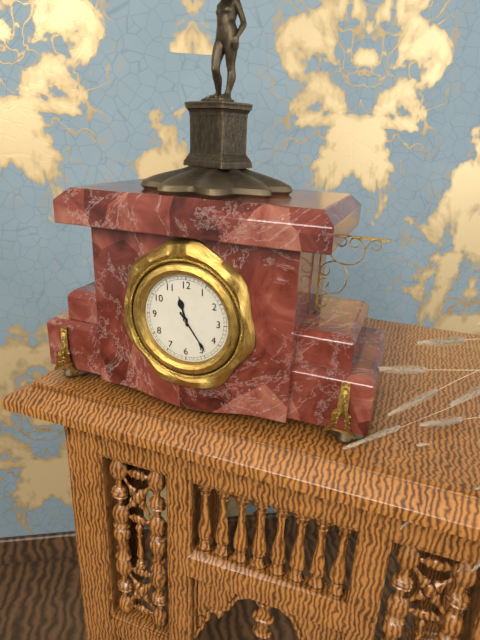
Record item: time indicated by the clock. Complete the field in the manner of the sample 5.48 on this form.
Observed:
11.24
